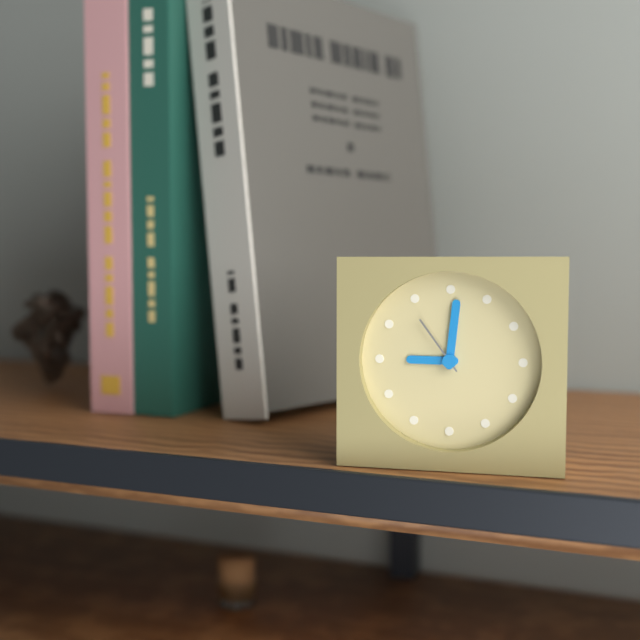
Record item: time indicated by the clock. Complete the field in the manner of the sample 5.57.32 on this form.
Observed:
9.01.54
